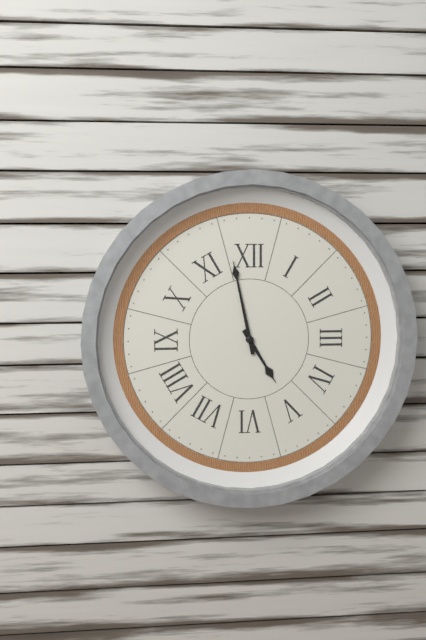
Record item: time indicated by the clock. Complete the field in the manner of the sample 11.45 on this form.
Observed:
4.58
